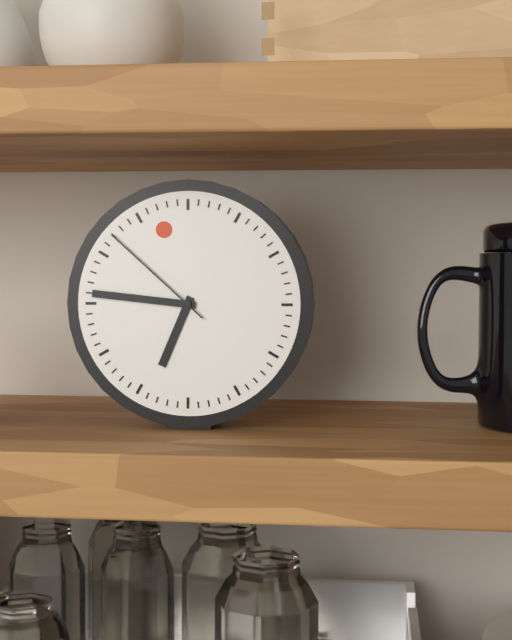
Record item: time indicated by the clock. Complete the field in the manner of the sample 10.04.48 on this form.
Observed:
6.46.52
